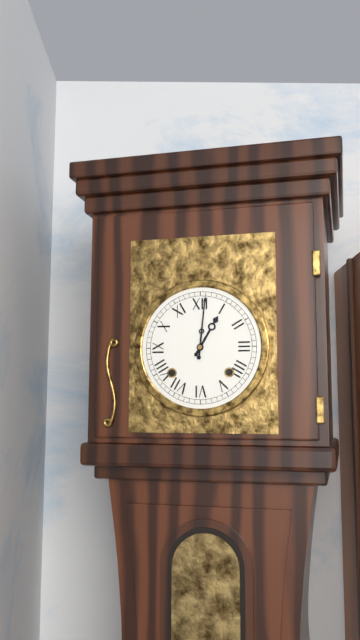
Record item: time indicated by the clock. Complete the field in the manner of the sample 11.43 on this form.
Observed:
1.01
